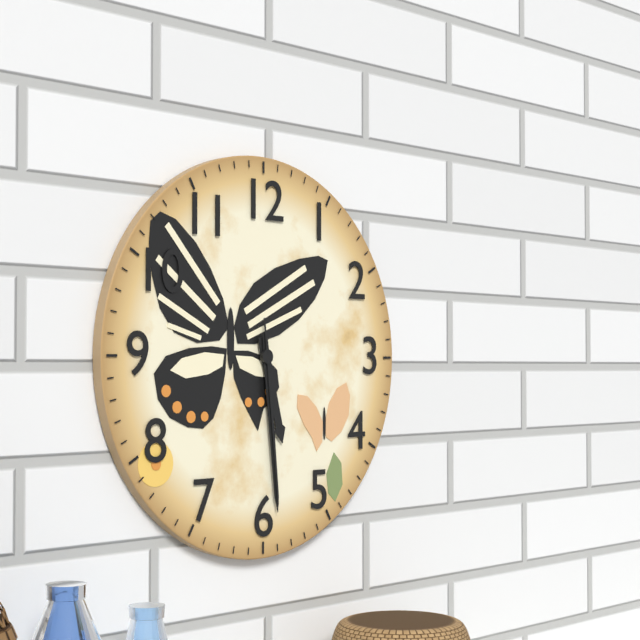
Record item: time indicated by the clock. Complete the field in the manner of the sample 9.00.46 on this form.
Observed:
5.29.29
